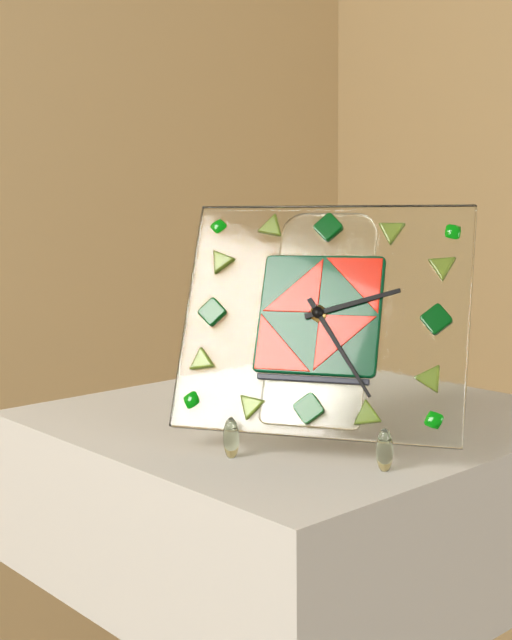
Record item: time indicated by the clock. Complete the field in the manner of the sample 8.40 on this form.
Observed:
2.24
